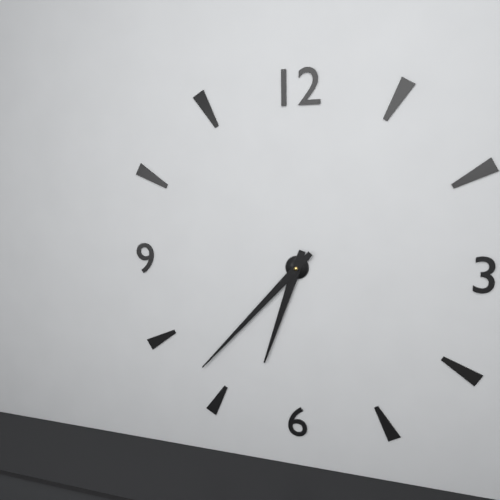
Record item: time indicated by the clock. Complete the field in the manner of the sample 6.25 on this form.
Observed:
6.37
